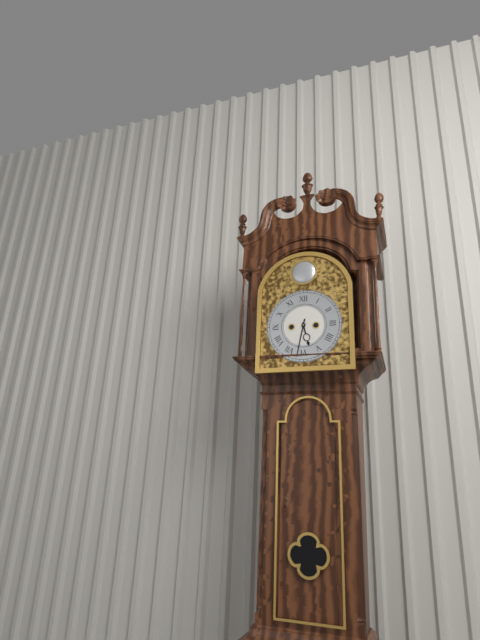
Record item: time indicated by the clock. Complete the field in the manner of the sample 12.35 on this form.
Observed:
5.32
